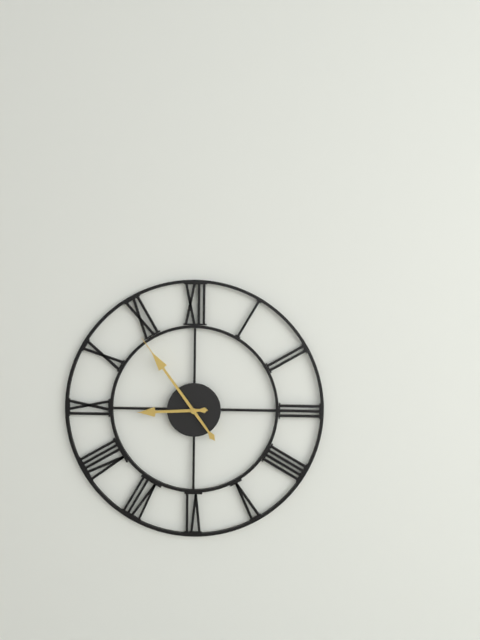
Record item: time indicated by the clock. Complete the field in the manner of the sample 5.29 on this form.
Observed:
8.54
